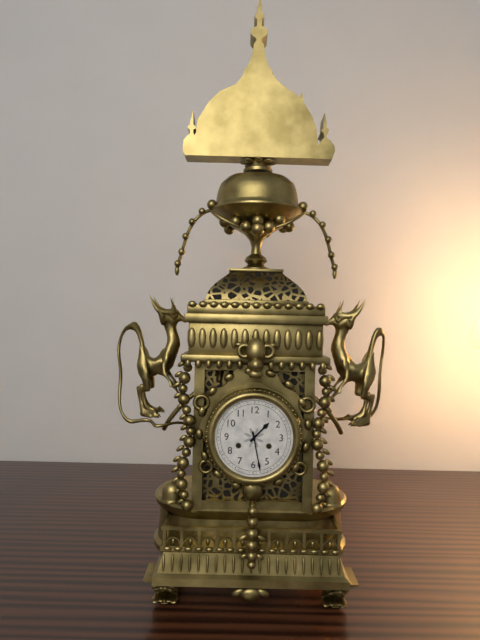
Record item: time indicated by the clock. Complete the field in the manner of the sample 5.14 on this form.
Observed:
1.28
